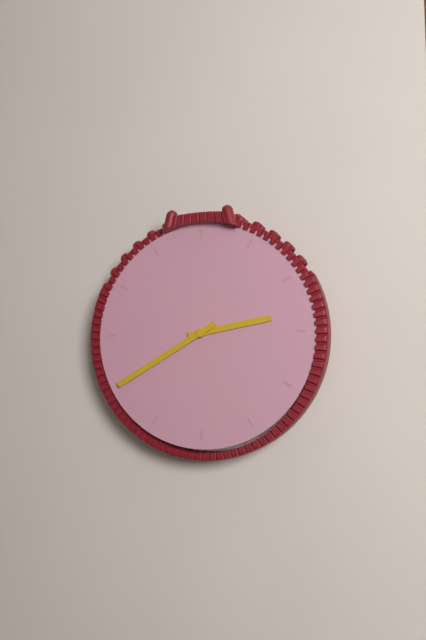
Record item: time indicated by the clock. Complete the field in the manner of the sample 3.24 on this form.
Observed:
2.40
